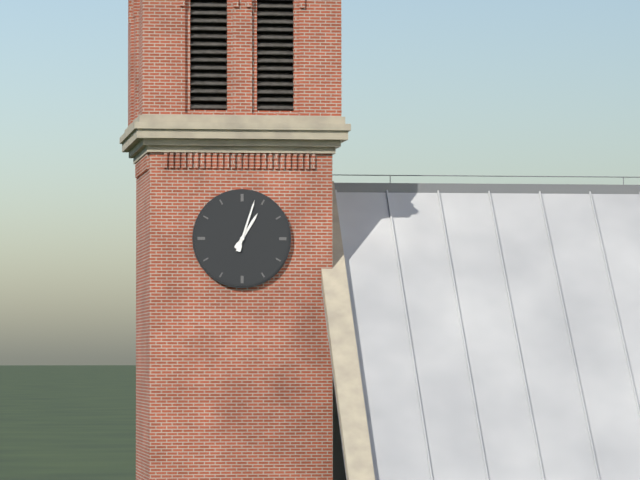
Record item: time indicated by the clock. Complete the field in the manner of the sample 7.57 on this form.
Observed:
1.03
